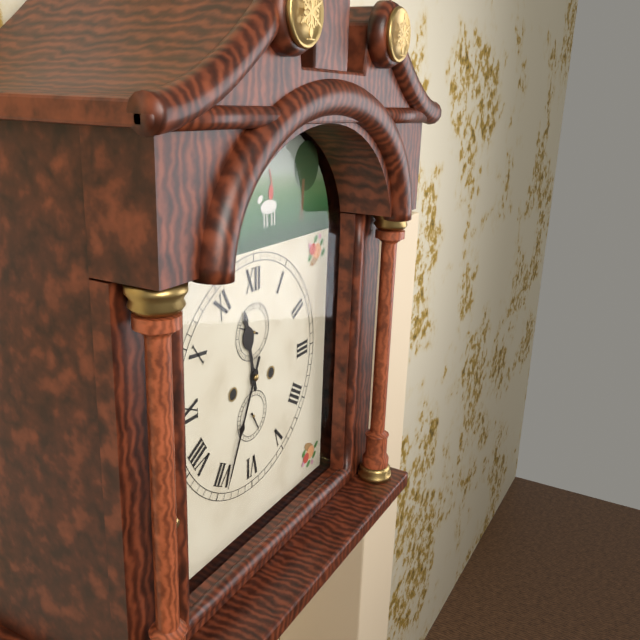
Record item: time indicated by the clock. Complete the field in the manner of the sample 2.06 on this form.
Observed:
11.34
